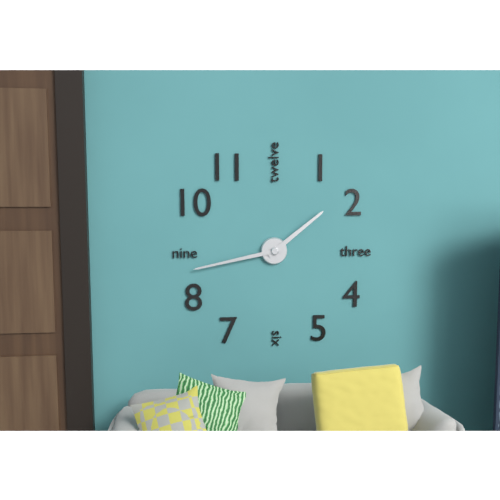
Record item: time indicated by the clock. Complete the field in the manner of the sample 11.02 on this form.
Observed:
1.43
